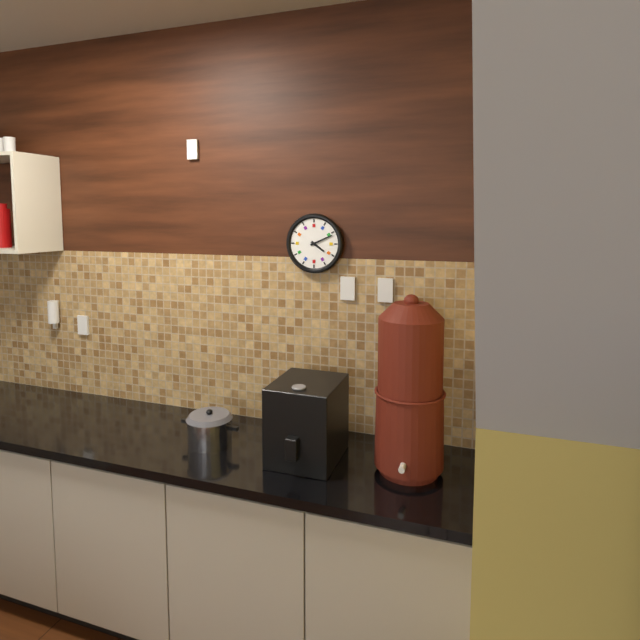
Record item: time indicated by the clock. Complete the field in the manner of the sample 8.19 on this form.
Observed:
4.11
